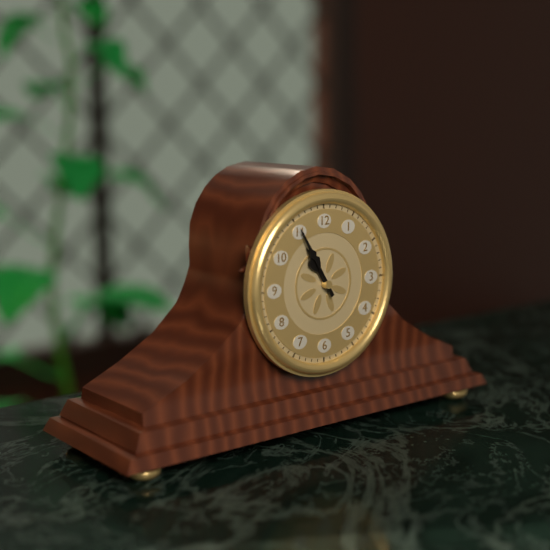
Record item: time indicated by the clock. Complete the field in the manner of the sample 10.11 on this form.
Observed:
10.55
